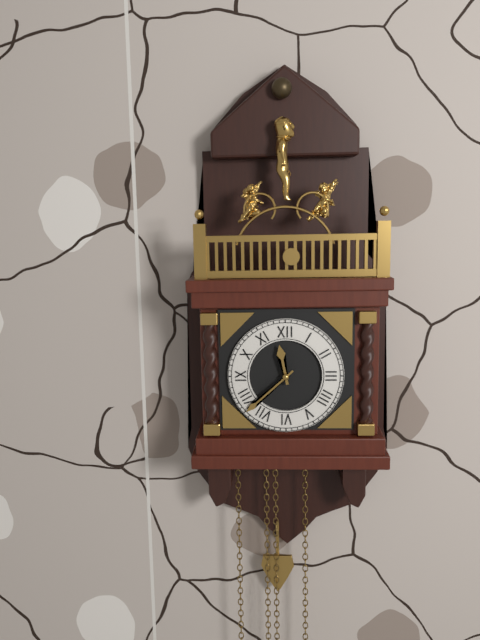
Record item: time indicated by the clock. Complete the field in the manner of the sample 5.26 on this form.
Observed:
11.38
